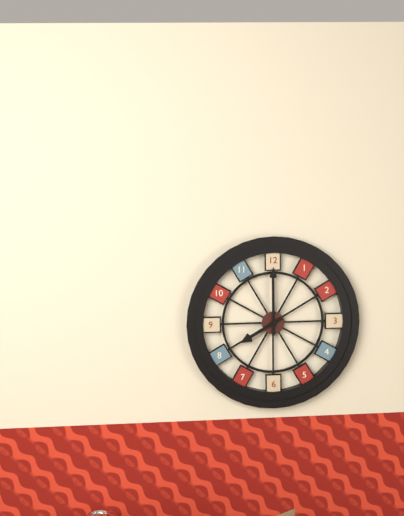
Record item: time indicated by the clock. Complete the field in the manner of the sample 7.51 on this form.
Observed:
8.00
